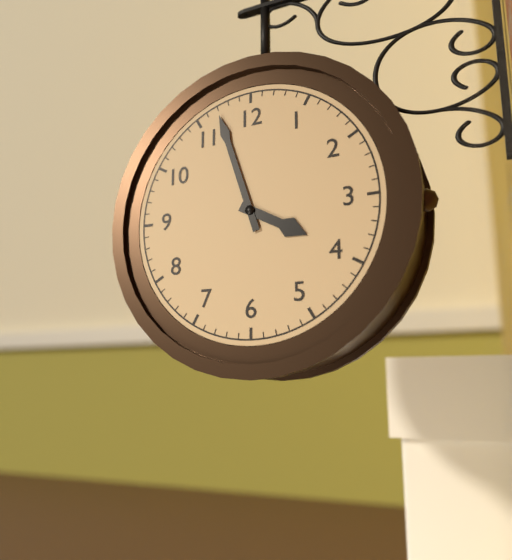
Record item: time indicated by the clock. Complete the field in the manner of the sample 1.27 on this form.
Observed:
3.57
